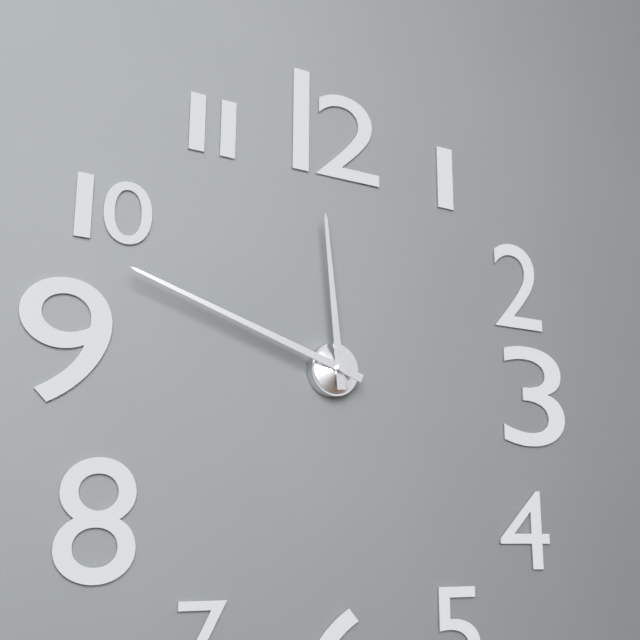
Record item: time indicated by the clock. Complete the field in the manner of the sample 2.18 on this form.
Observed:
11.48
